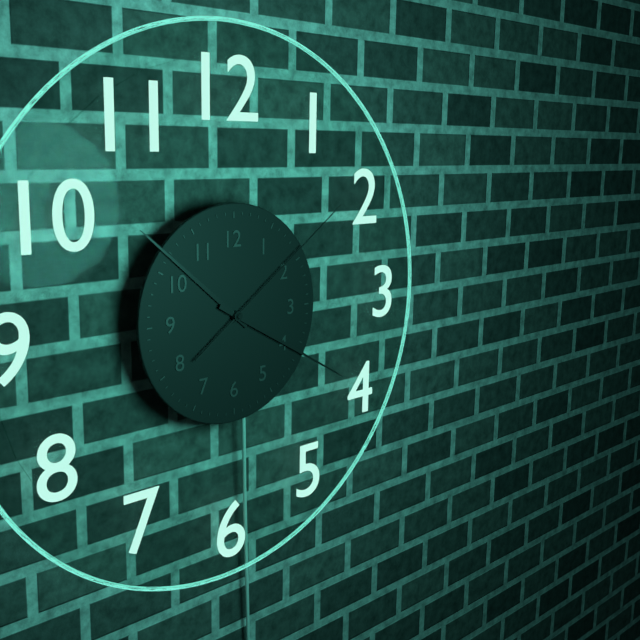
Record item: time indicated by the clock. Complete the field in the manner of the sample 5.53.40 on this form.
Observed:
10.20.09
